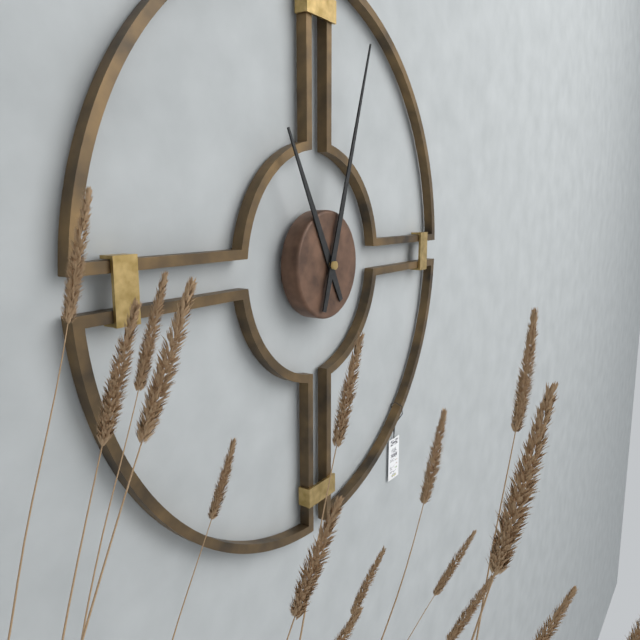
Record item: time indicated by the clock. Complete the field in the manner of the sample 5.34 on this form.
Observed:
11.03
